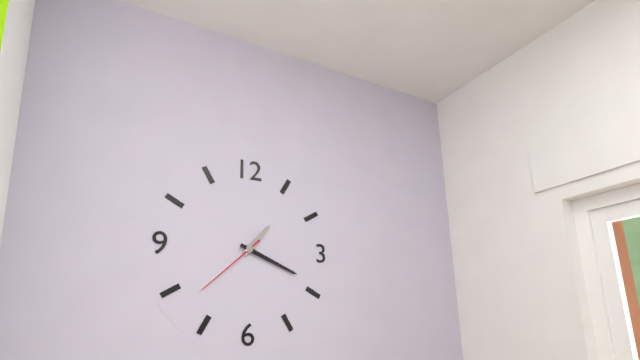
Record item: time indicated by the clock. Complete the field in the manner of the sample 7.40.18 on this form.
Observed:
1.19.38
